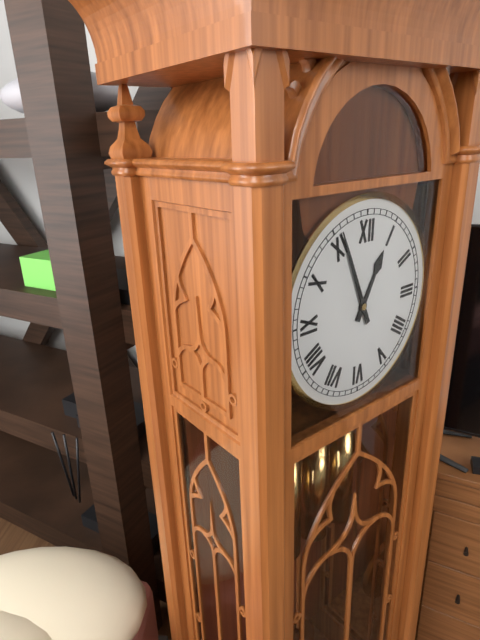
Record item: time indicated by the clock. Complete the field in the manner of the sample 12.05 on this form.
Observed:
12.56
